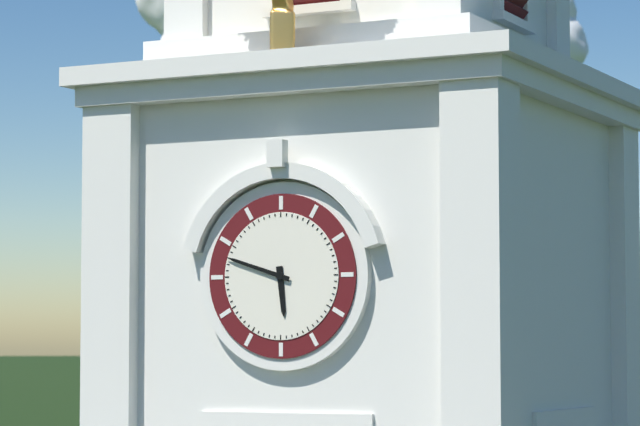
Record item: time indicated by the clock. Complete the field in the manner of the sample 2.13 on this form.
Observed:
5.48
